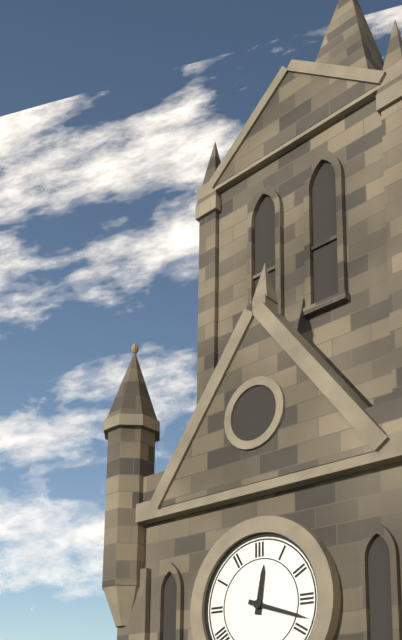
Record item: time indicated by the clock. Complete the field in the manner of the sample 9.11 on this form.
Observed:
12.18
